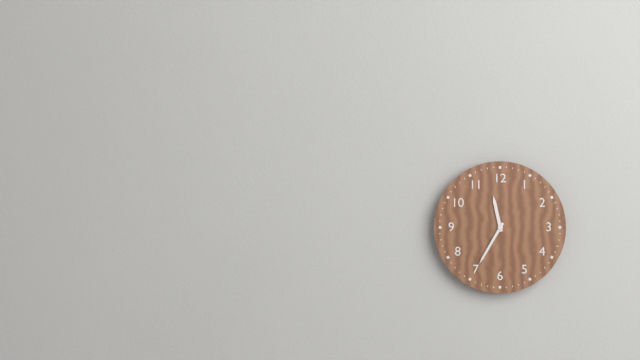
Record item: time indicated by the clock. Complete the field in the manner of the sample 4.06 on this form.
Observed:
11.35
